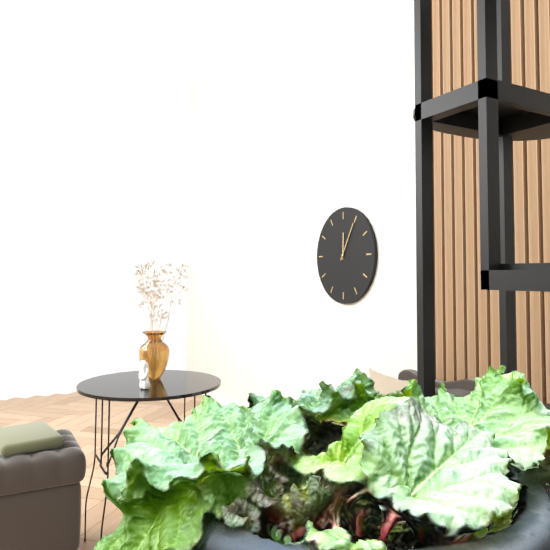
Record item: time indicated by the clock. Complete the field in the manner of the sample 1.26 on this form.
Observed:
12.05
